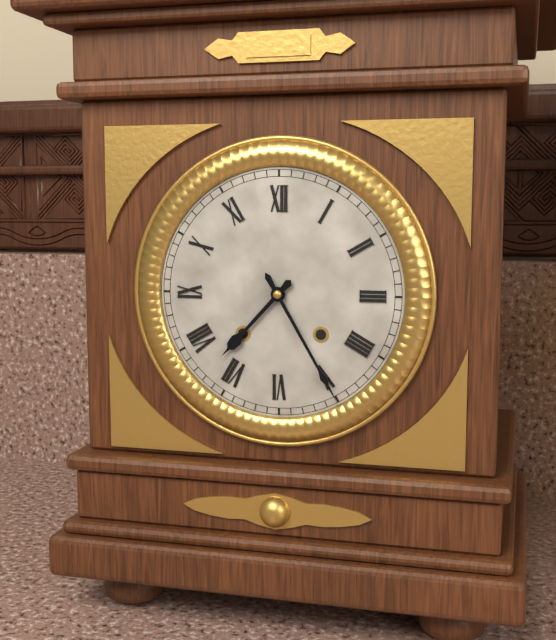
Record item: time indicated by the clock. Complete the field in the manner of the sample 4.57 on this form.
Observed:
7.25
